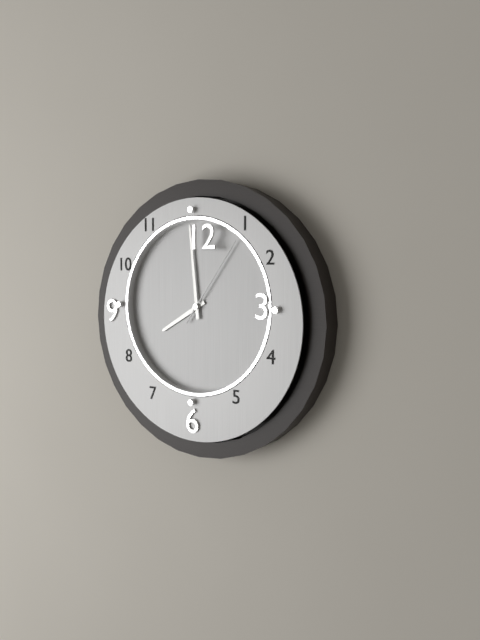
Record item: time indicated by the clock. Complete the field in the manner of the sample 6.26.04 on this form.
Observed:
7.59.06
